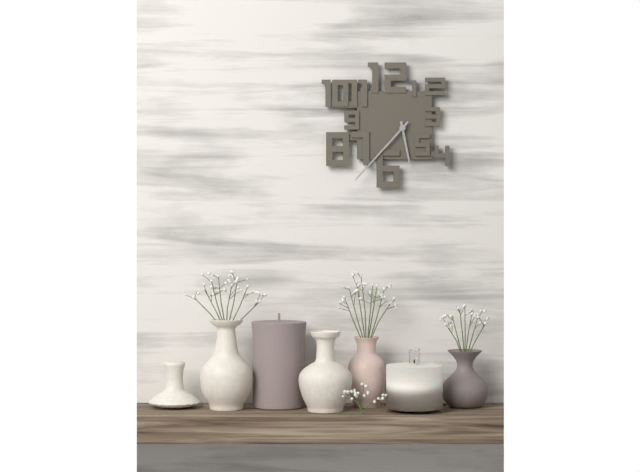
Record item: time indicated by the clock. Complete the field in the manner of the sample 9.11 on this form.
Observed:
5.37
